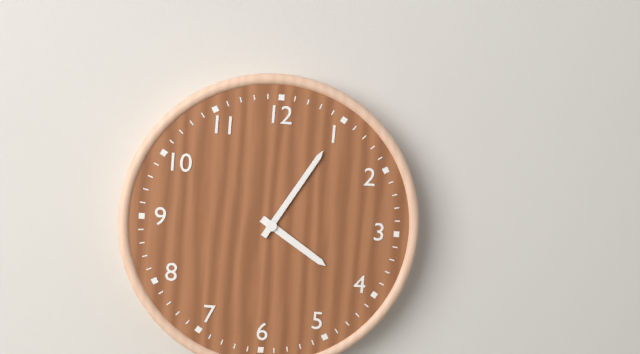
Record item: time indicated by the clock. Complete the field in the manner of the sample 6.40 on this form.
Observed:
4.05
